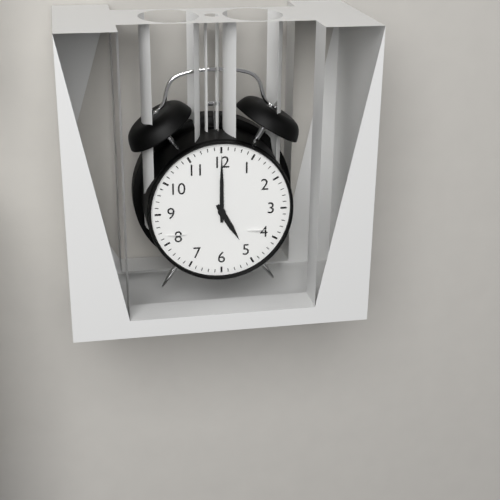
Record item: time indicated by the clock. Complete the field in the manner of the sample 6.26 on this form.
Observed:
5.00
